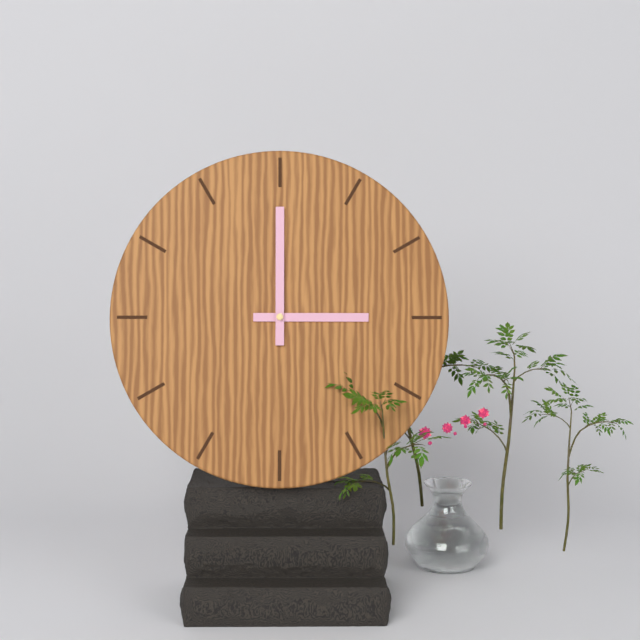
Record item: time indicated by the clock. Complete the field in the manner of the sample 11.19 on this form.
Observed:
3.00
